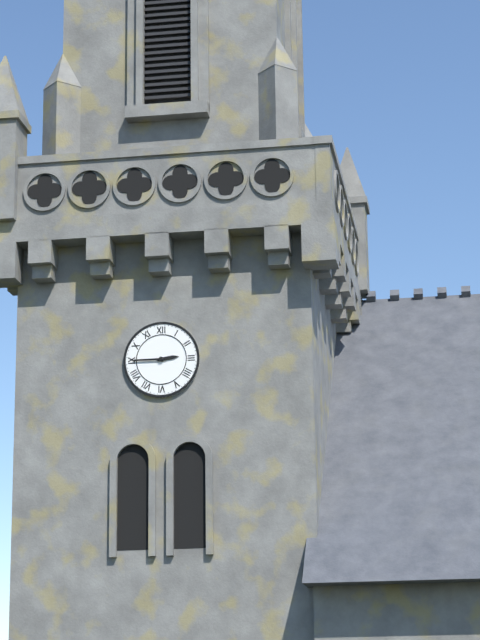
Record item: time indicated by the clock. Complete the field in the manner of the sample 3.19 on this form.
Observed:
2.45
